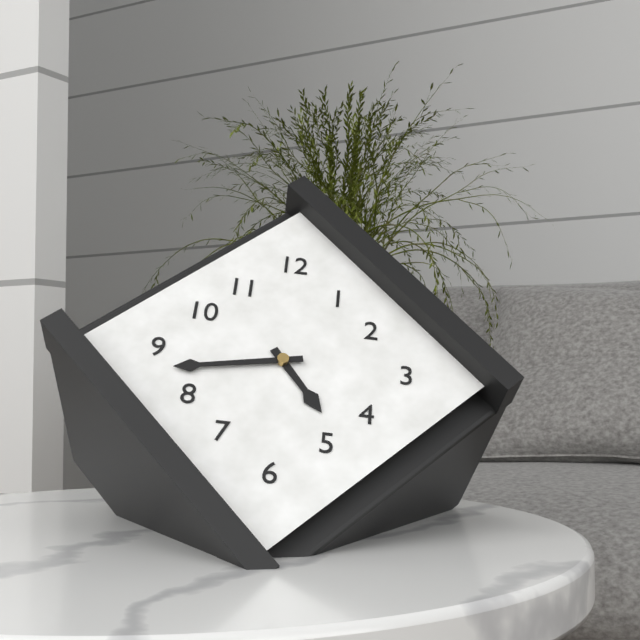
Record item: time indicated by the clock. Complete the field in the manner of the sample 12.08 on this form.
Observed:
4.43
